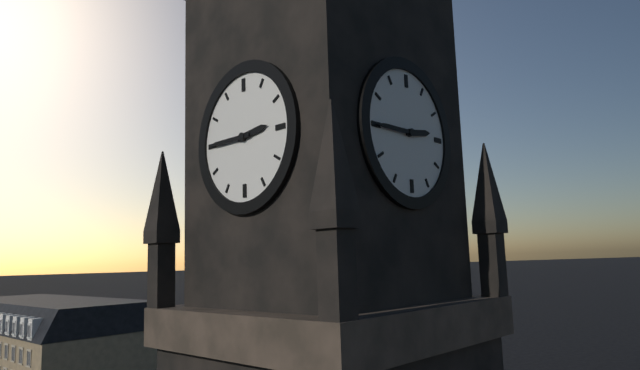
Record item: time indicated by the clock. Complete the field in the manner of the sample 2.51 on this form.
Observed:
2.45
